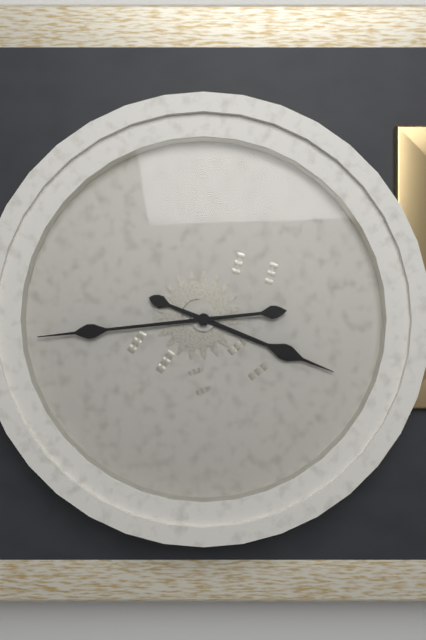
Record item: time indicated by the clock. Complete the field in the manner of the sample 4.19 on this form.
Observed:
3.44
